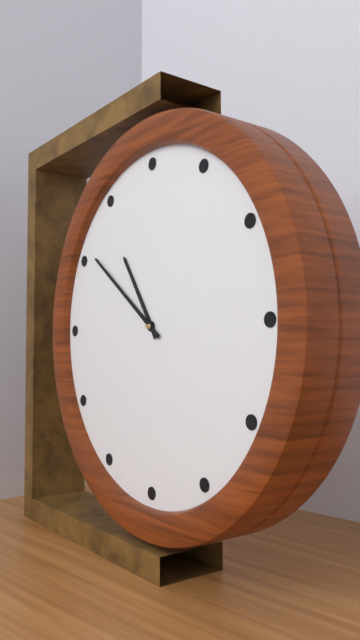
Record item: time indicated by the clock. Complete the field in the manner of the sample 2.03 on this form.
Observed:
10.51
